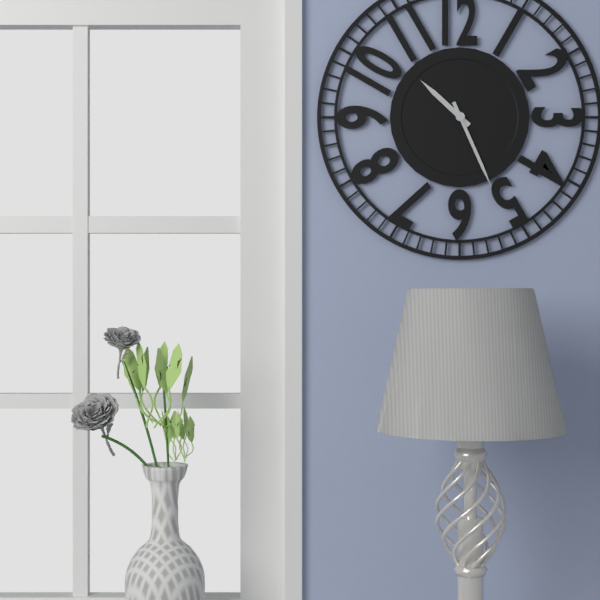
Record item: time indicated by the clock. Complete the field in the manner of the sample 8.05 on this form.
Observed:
10.26
